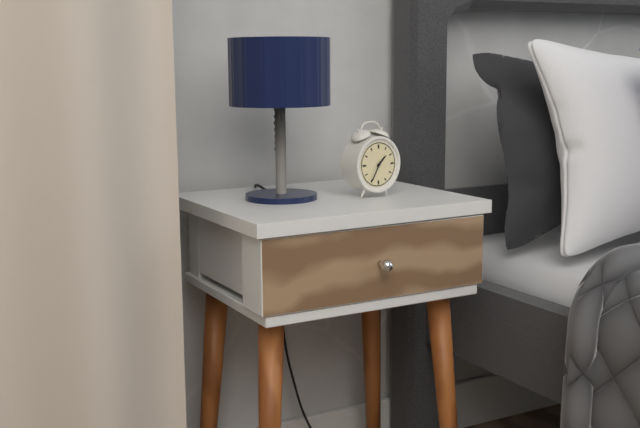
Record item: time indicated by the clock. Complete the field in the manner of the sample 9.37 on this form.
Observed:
1.35
